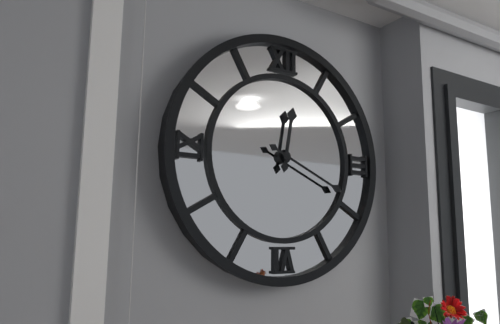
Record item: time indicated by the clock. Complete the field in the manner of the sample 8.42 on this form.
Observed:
12.19
